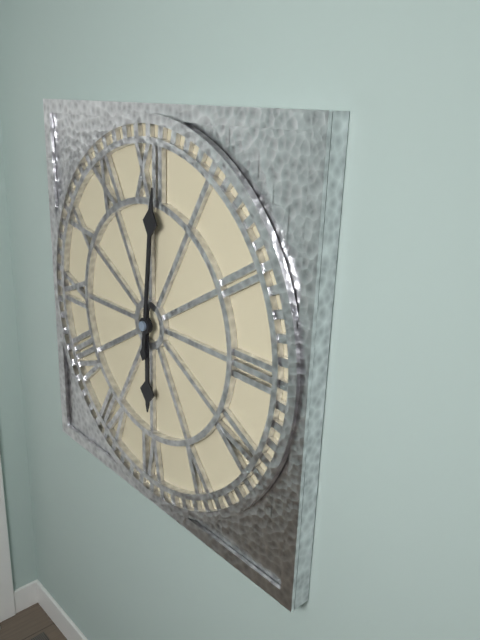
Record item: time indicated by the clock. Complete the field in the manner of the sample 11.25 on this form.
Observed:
6.01
